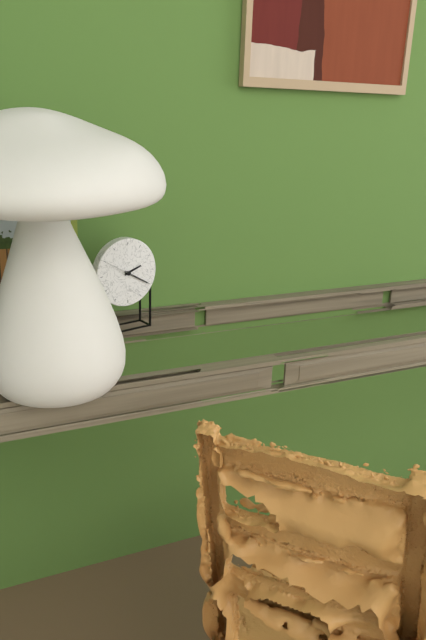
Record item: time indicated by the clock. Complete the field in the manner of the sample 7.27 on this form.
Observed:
2.20
